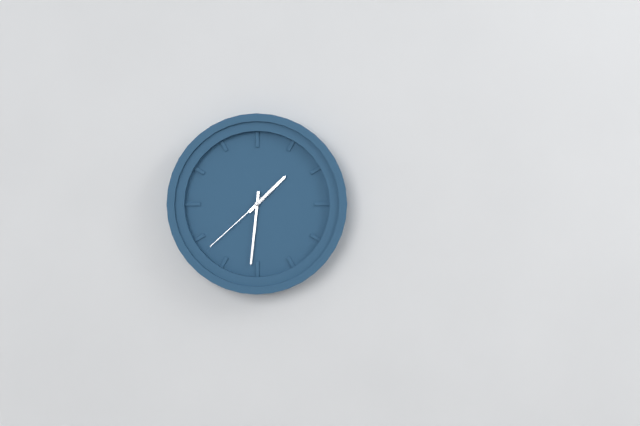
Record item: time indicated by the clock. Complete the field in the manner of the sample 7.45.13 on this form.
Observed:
1.31.38
